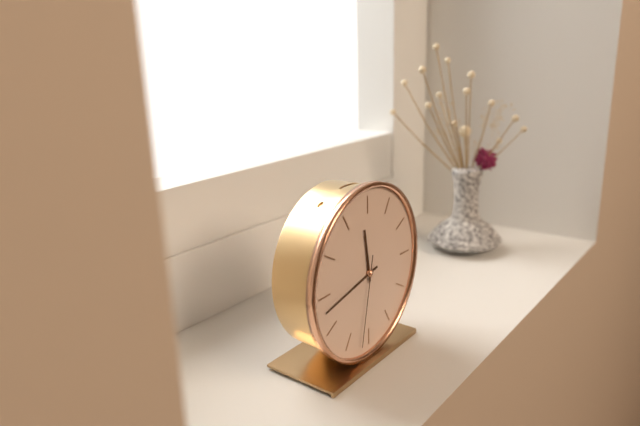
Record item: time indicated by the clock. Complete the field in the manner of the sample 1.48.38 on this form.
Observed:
11.43.32
